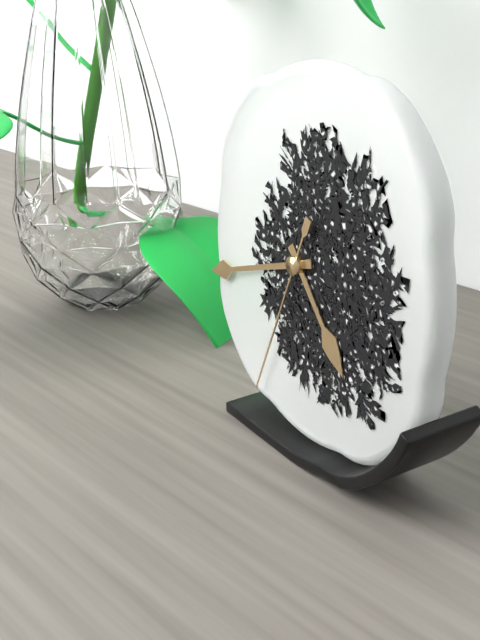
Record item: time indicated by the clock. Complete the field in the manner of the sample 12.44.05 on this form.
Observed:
4.42.34
